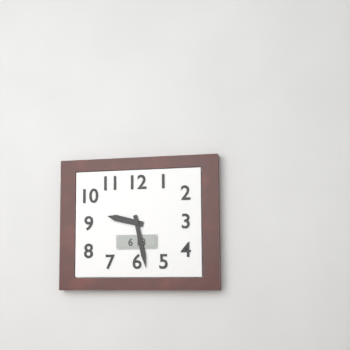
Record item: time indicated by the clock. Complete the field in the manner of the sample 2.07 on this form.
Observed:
9.28
